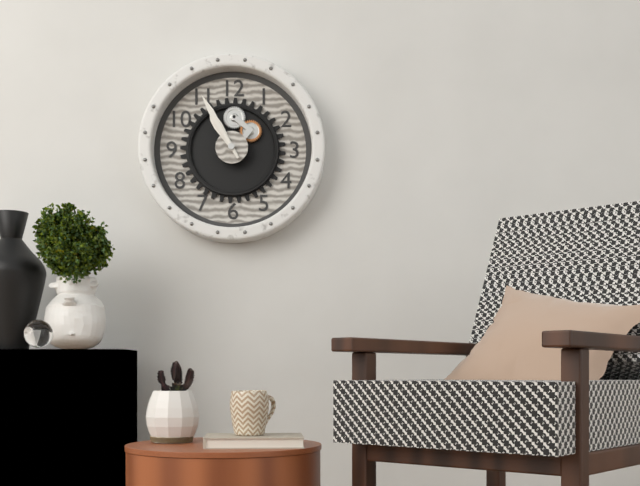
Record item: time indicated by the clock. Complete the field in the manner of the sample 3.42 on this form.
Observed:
10.55
